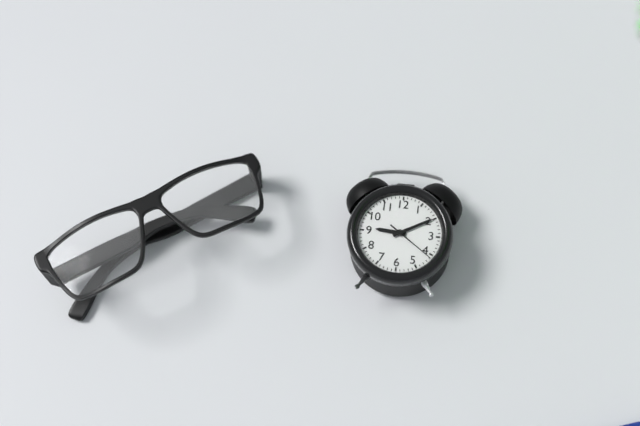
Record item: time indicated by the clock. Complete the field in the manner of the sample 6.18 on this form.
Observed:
9.10
